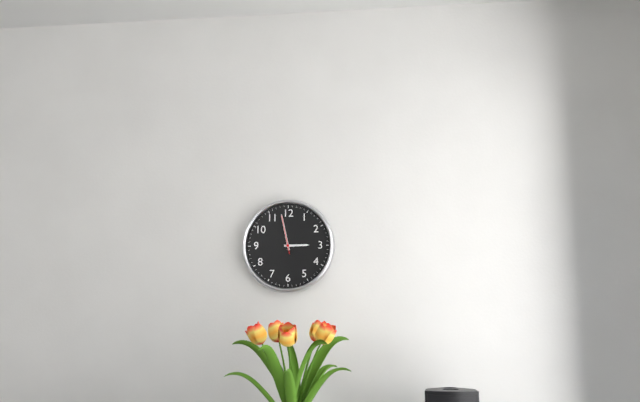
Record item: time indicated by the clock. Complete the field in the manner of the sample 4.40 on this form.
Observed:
2.58
